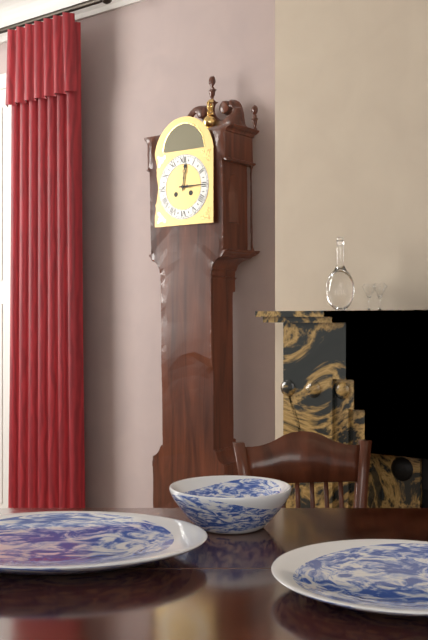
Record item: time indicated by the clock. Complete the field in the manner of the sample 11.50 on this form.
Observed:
12.15
